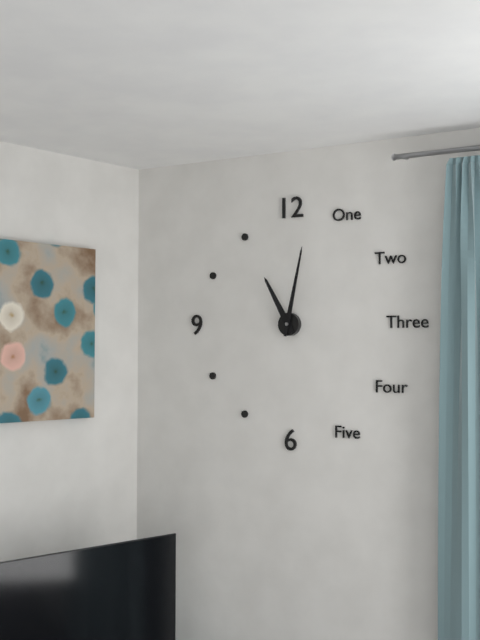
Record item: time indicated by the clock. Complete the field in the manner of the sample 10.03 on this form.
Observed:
11.02
